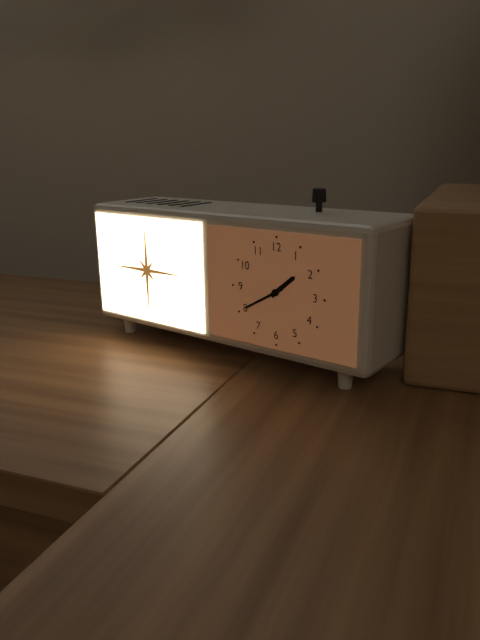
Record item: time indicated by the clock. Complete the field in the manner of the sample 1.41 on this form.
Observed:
1.40
